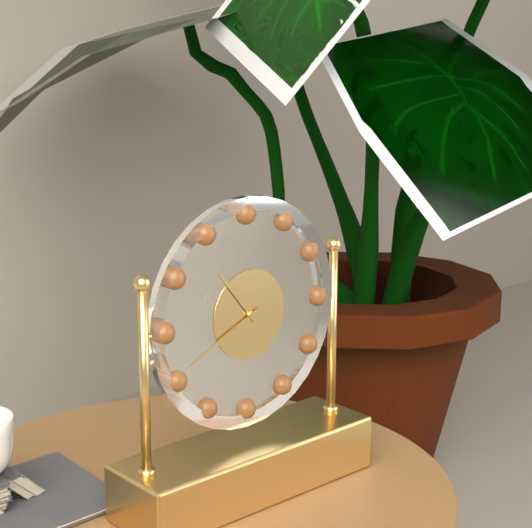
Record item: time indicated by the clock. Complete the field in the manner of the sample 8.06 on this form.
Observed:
10.41
